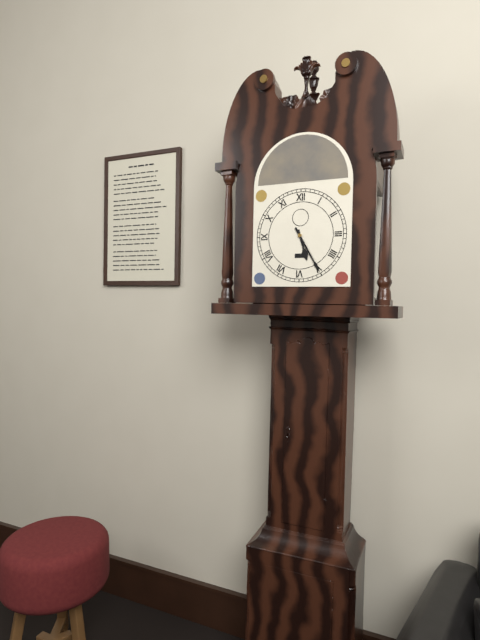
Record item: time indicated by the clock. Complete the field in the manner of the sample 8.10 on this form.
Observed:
5.25
